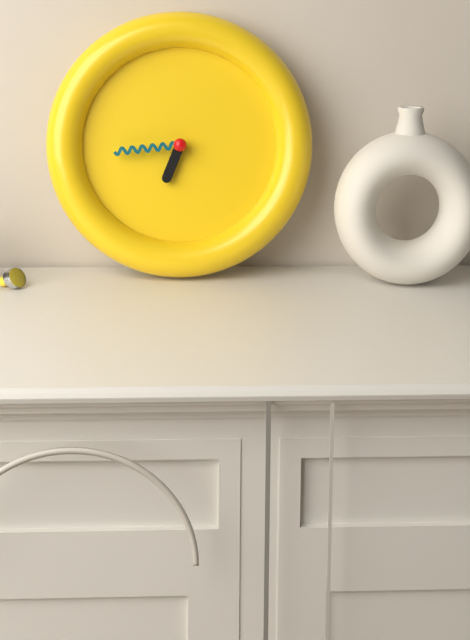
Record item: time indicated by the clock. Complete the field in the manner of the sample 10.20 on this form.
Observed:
6.44
